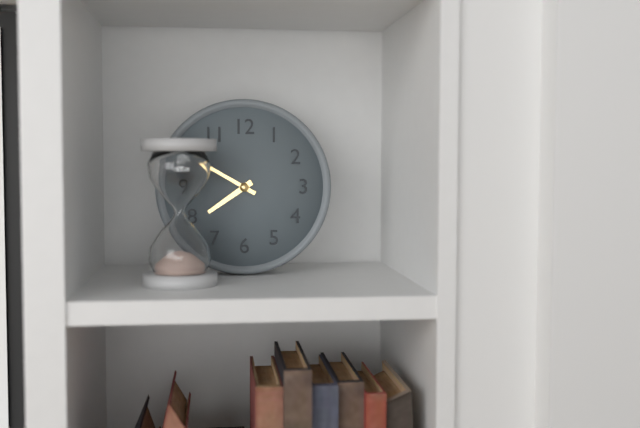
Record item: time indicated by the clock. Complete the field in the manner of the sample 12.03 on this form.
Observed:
7.50
